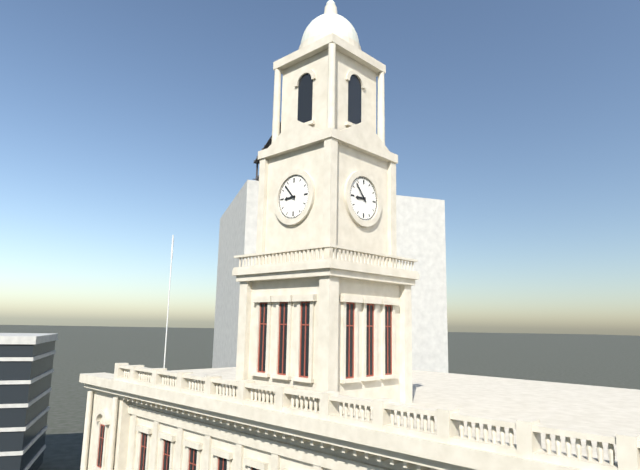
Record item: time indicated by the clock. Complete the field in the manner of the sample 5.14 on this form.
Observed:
8.53
